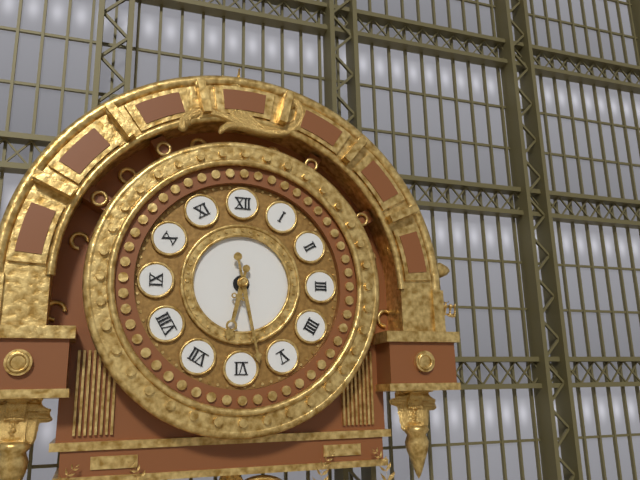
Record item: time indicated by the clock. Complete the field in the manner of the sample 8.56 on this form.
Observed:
6.28
